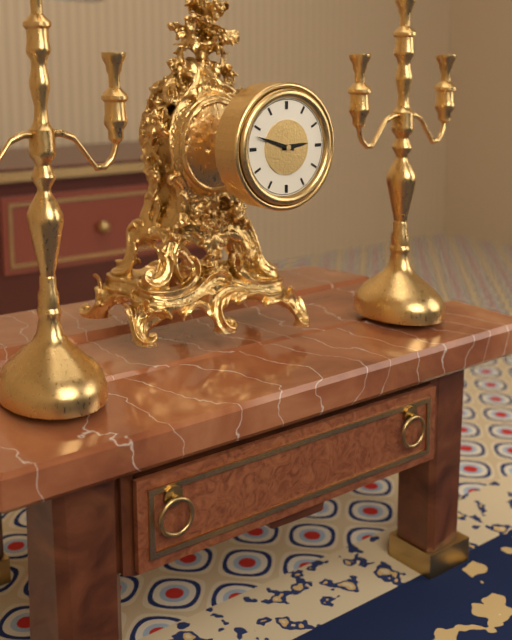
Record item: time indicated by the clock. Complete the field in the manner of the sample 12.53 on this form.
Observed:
2.48
